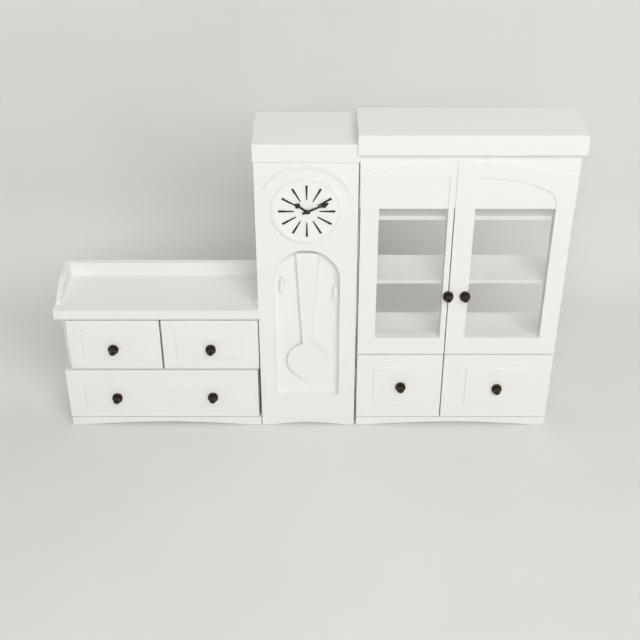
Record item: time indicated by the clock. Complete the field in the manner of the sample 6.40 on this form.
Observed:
10.11
